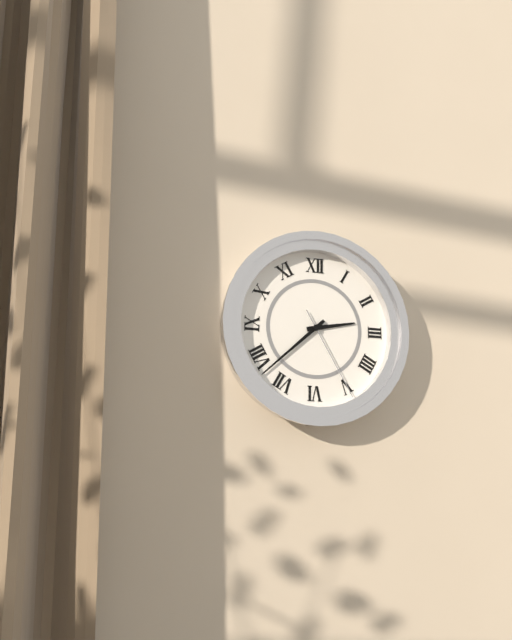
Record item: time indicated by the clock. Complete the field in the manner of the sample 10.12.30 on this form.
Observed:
2.38.25
